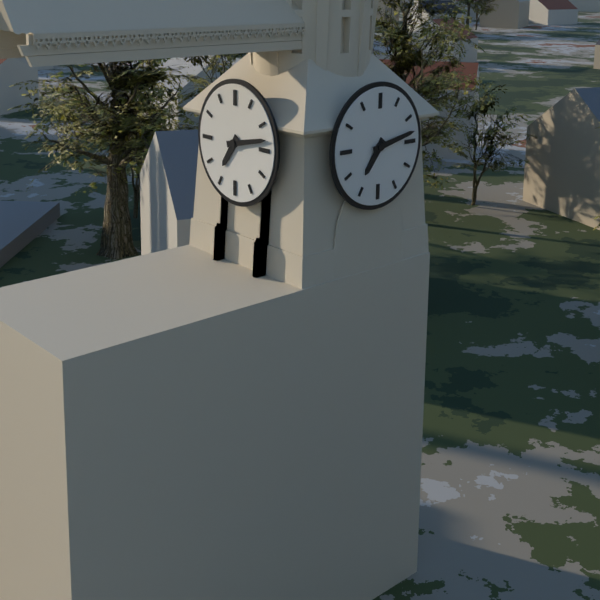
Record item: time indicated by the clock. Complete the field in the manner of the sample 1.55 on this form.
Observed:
7.13
